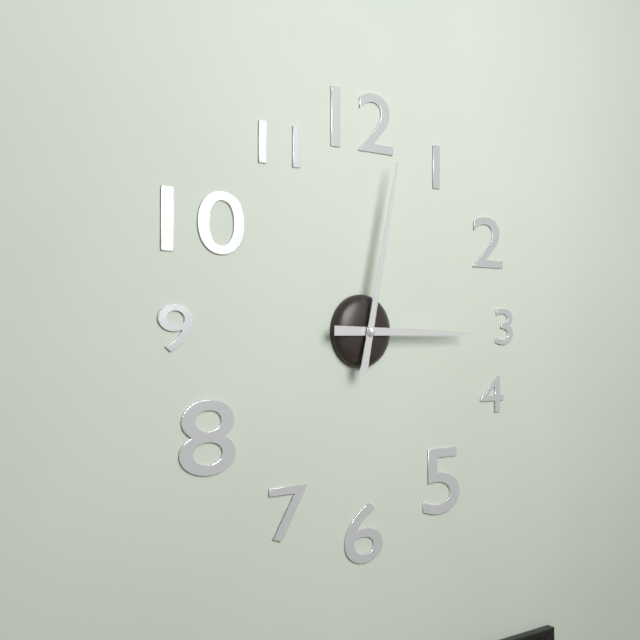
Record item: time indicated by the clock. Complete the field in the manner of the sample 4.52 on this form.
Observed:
3.02
